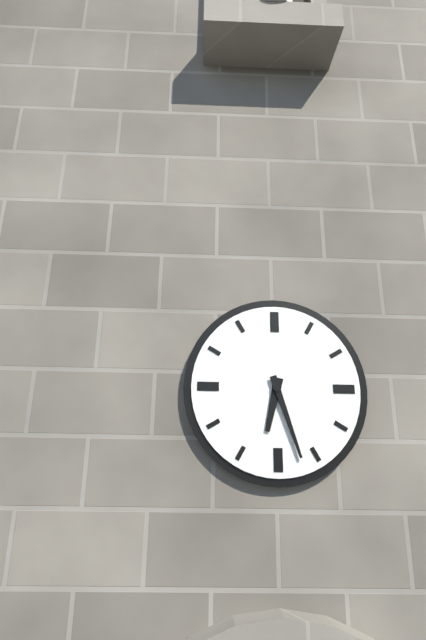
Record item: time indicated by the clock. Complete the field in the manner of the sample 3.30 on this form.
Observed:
6.27
